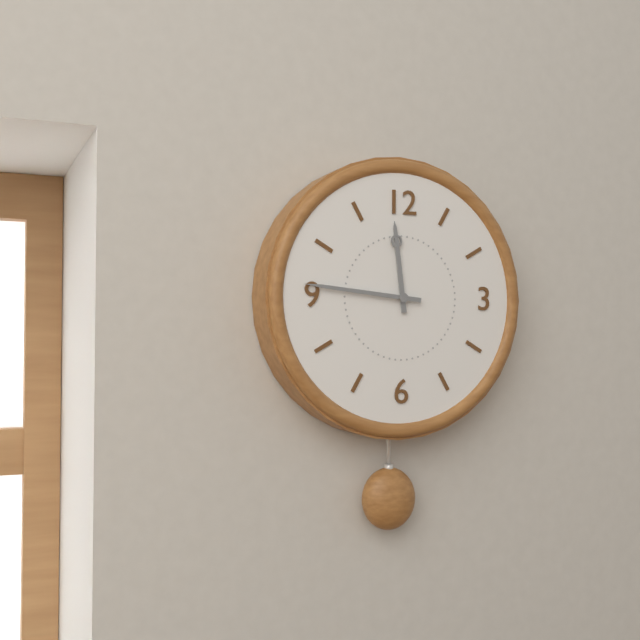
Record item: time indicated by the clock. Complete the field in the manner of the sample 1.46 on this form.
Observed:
11.46
